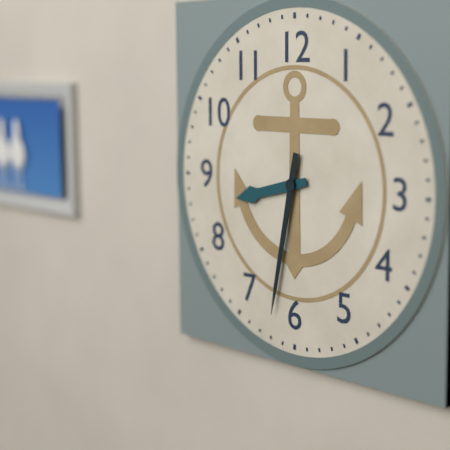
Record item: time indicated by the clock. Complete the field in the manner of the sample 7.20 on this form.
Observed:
8.32
